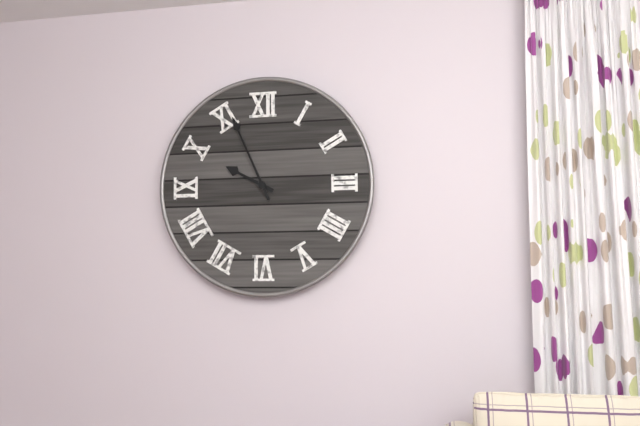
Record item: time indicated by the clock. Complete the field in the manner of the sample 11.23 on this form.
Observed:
9.56
